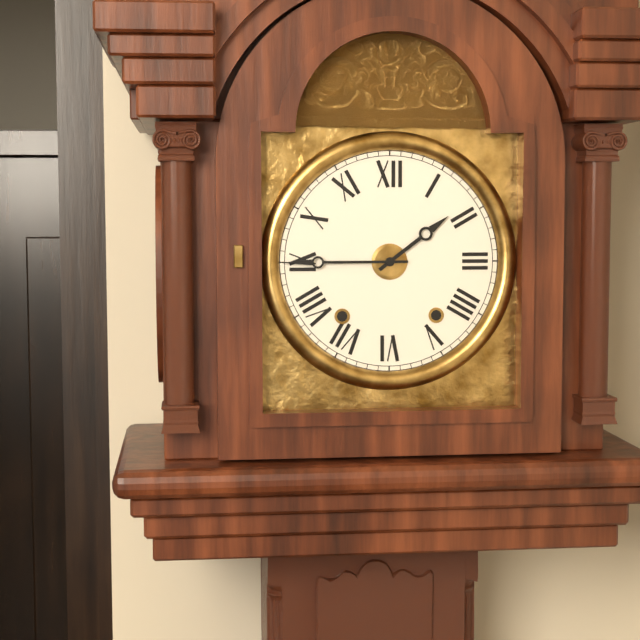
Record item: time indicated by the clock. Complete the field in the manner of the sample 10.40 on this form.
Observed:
1.45
